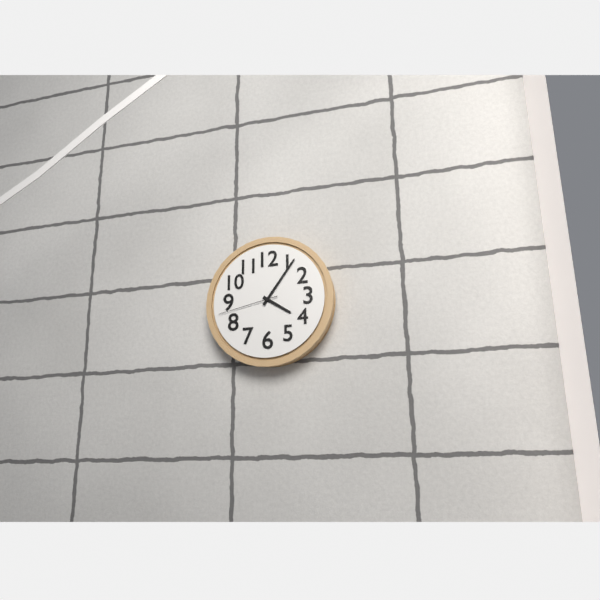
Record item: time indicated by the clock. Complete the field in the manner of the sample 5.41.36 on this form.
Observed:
4.06.43
